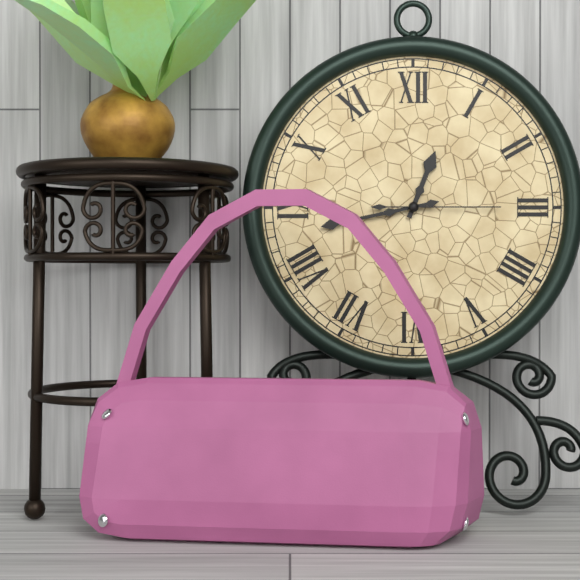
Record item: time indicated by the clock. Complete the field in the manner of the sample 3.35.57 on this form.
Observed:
12.43.15
